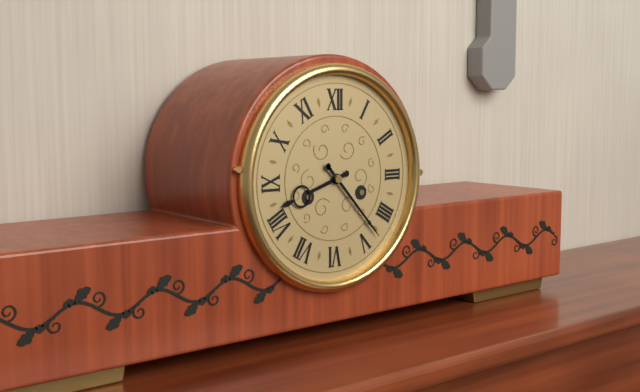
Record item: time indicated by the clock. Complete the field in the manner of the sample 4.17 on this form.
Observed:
8.23
